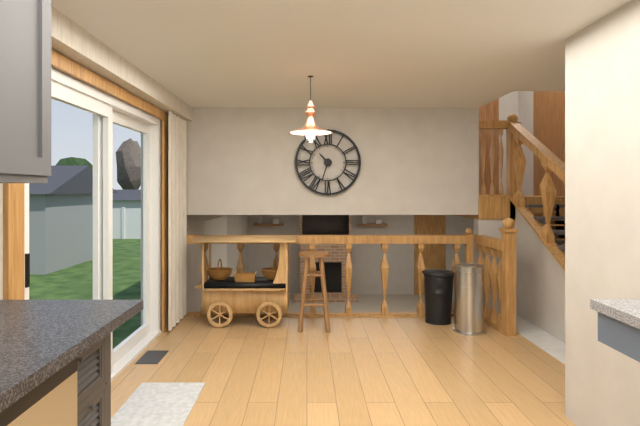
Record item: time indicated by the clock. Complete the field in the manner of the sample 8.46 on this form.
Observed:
10.33
